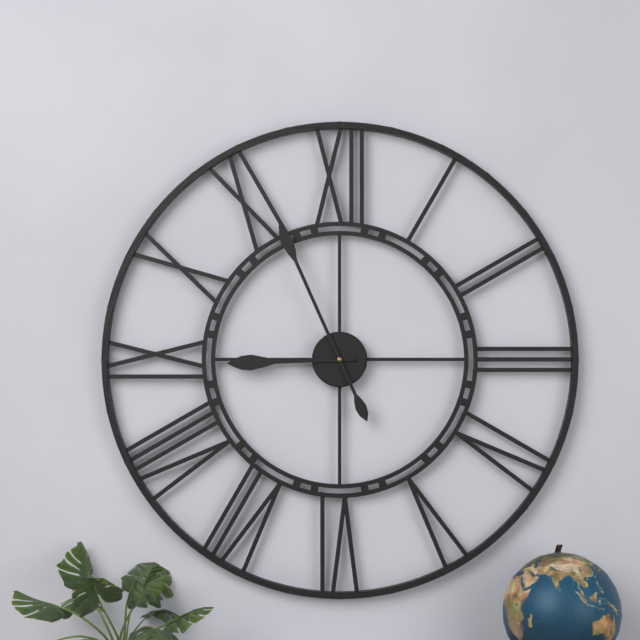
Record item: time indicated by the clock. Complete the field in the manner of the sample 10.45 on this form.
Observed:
8.56
